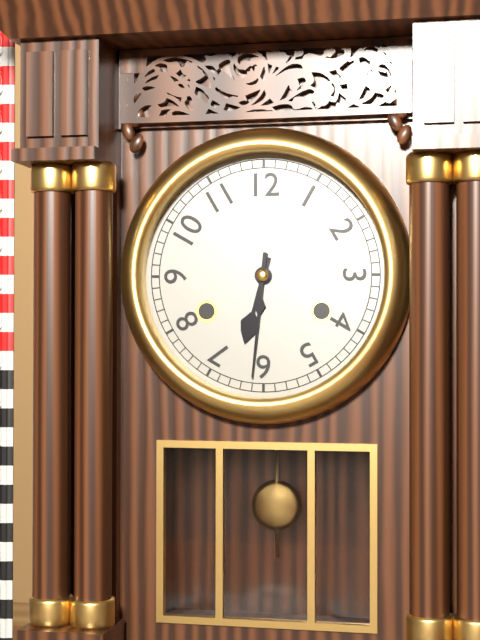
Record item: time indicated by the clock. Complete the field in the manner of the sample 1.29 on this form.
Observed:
6.31
